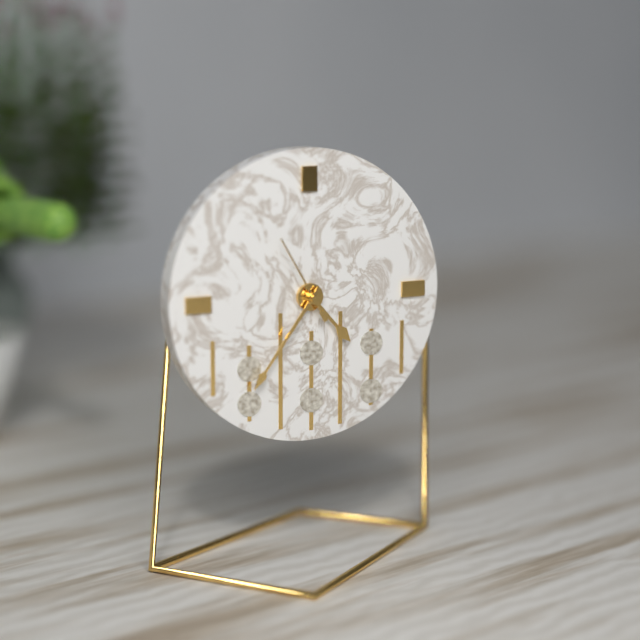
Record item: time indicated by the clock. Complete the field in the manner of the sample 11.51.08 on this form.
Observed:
4.36.55
